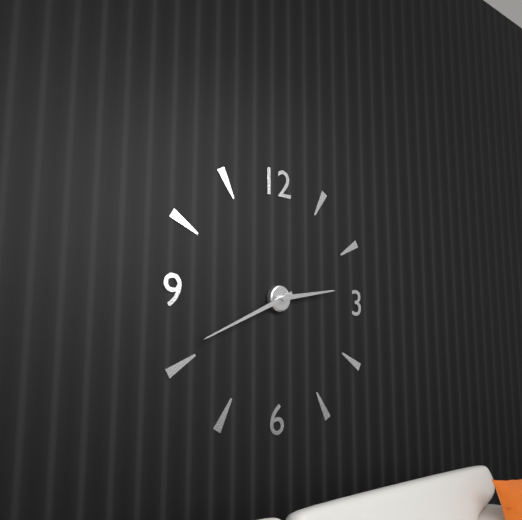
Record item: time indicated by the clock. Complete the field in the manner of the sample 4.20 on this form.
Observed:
2.41
